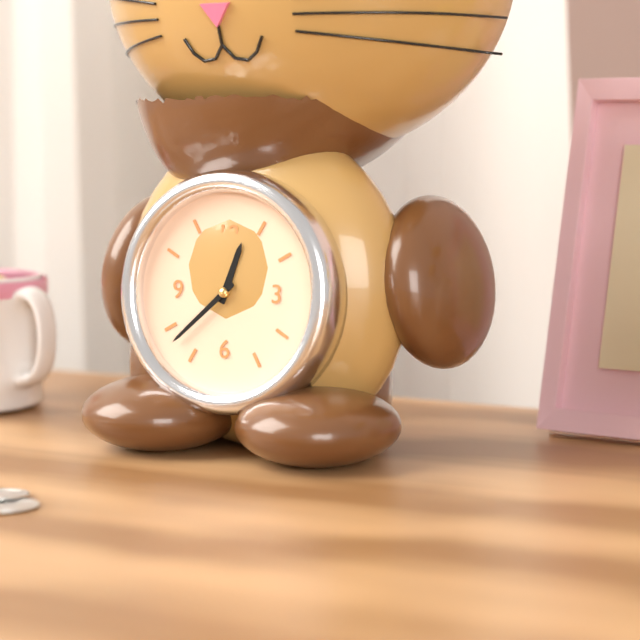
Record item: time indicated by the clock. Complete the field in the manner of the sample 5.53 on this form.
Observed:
12.38
